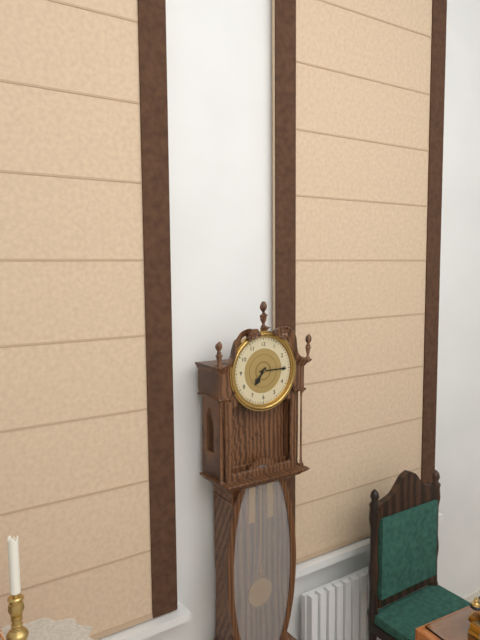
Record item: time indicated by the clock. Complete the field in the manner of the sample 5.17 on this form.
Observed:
7.15
